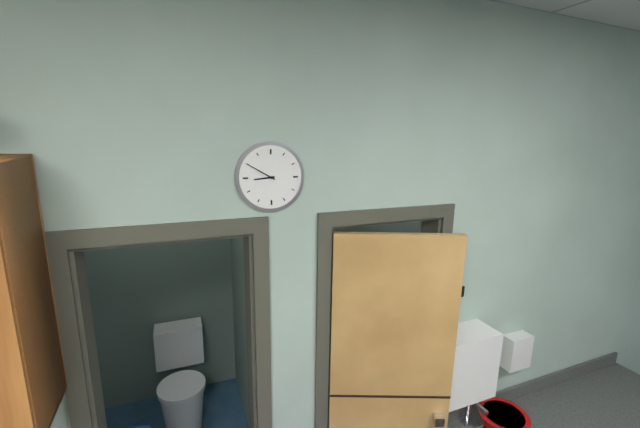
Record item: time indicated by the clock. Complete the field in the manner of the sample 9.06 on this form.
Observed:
8.50
